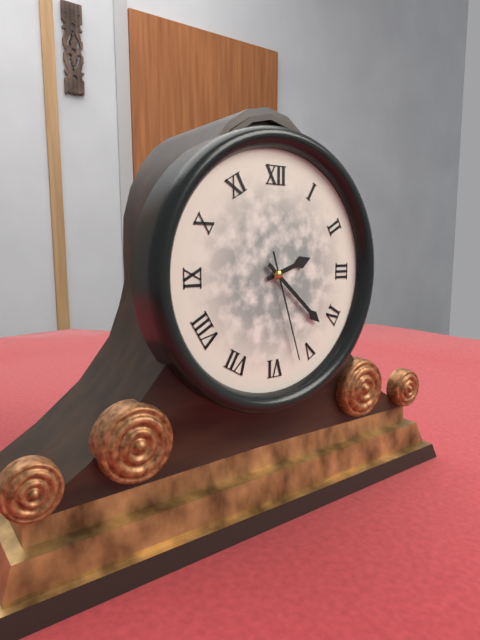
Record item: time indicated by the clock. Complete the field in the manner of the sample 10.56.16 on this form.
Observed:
2.22.27
